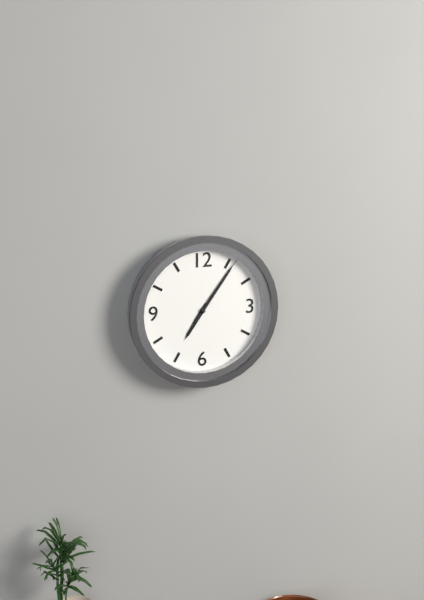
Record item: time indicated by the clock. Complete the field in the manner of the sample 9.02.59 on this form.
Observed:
7.06.06
